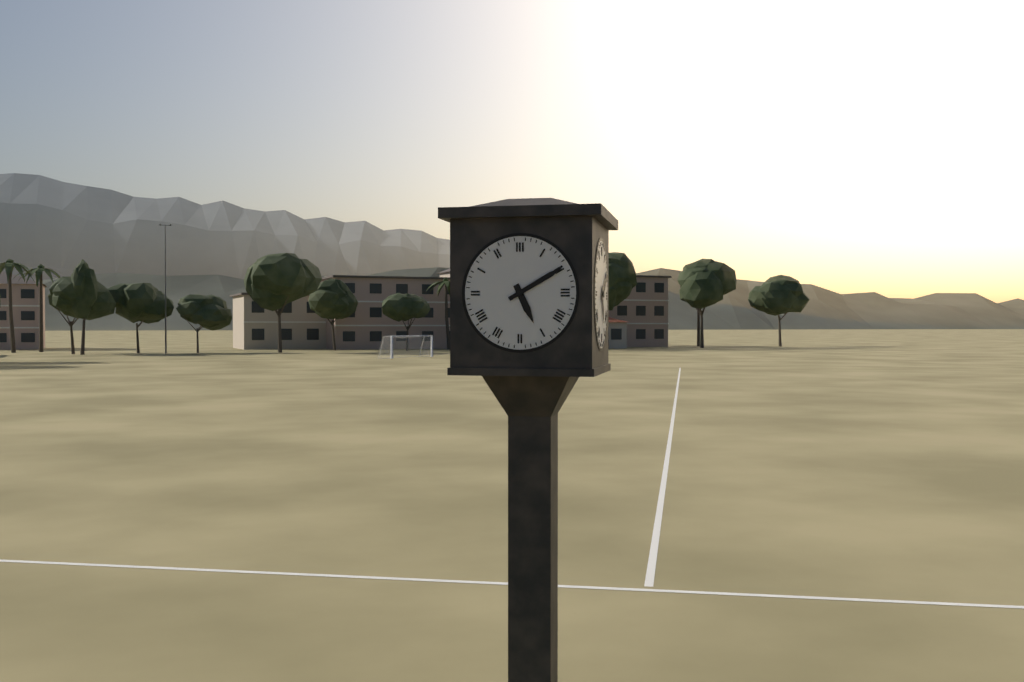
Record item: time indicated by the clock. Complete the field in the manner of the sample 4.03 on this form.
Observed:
5.10
